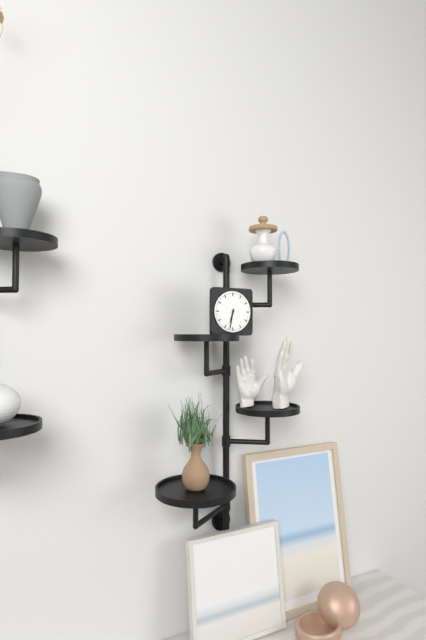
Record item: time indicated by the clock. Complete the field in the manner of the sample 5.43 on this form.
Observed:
6.32
